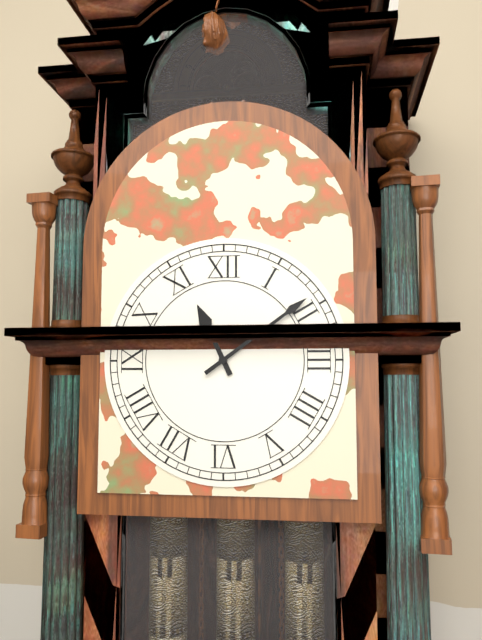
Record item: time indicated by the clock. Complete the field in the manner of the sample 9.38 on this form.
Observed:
11.09
